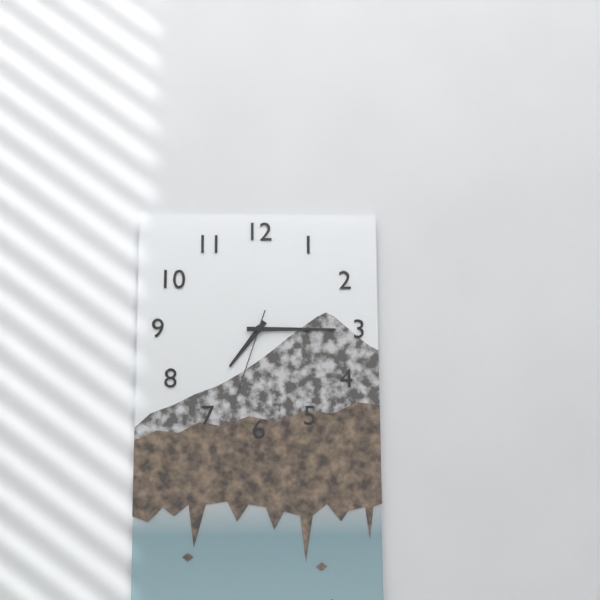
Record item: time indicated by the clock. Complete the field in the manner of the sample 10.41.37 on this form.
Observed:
7.15.33
